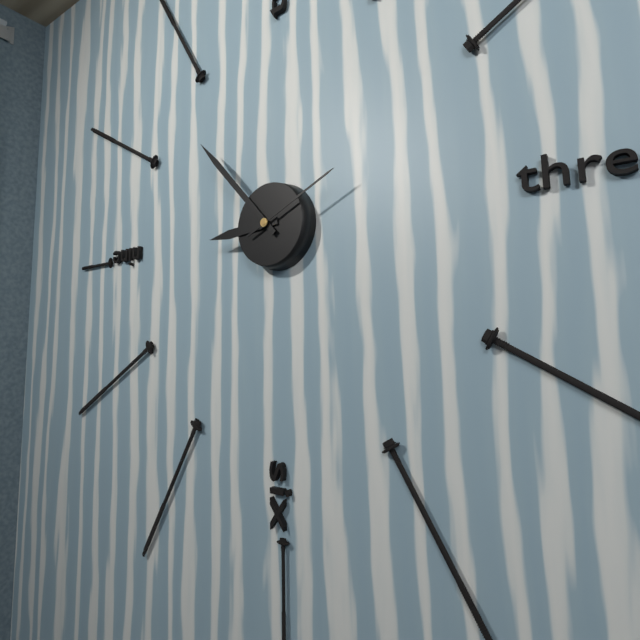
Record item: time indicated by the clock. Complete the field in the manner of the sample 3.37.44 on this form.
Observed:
8.53.11
